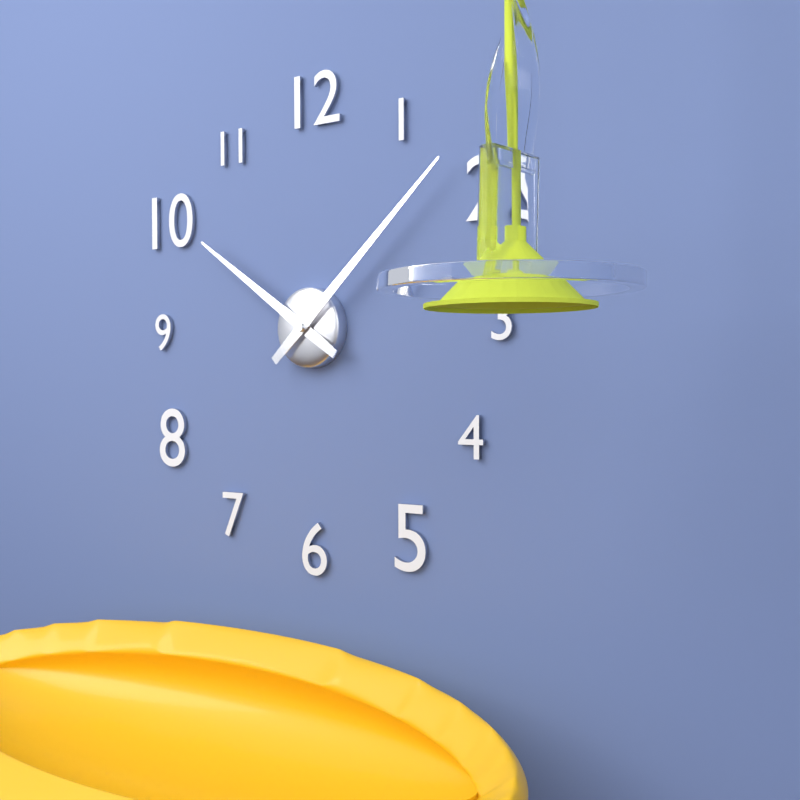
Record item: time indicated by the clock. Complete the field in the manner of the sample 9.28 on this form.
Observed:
10.08
